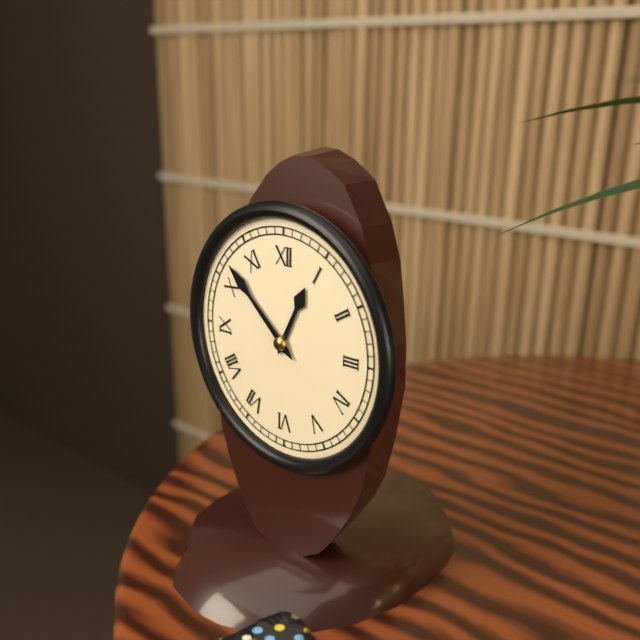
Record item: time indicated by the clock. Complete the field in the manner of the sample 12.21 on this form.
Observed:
12.52
